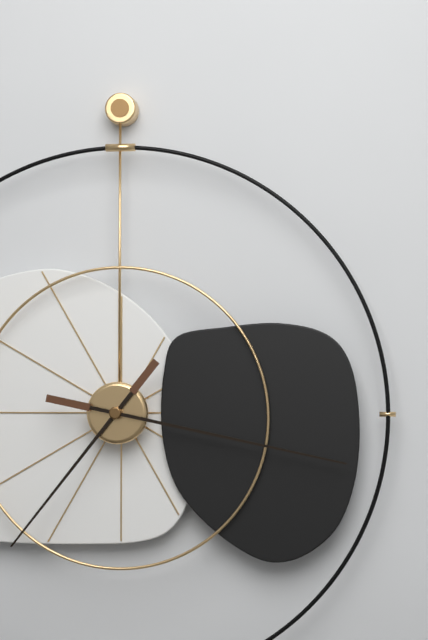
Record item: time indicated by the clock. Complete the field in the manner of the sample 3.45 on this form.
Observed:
7.17
